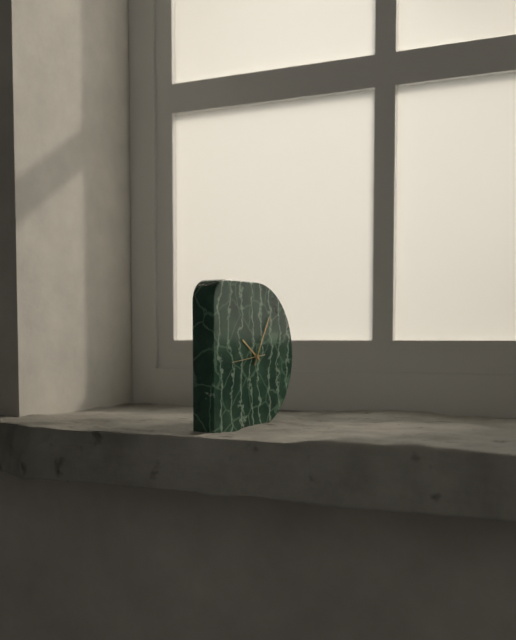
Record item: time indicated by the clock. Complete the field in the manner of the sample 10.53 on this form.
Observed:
10.05
